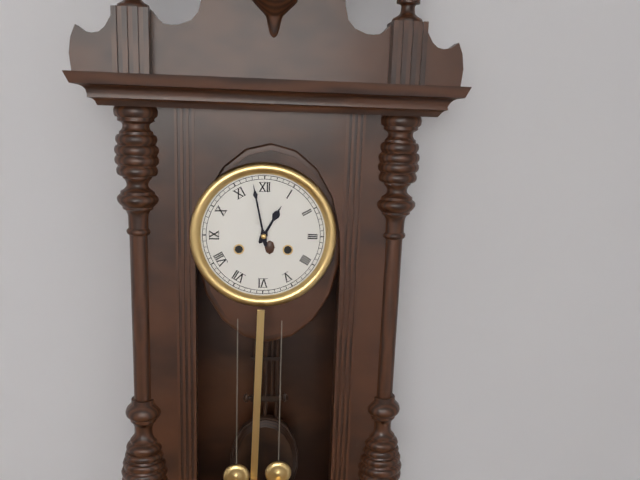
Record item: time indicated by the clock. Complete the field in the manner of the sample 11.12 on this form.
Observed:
12.58
